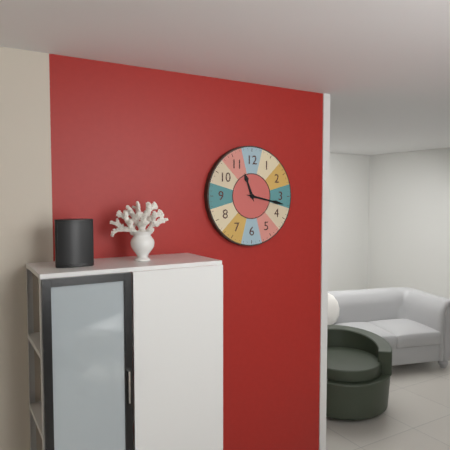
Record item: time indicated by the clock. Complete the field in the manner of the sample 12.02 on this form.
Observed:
11.17
